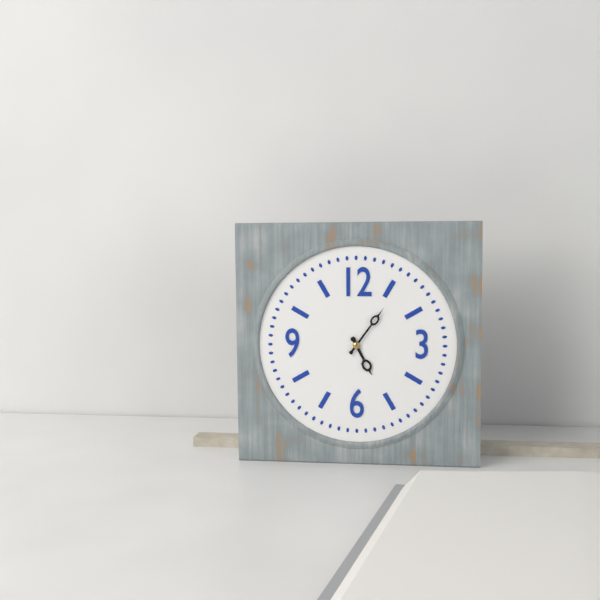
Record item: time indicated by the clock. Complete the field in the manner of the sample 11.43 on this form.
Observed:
5.06
